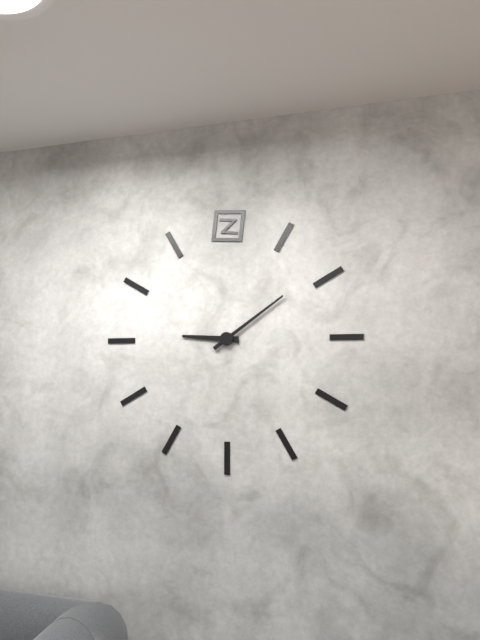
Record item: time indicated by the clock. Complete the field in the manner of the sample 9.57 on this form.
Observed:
9.09
